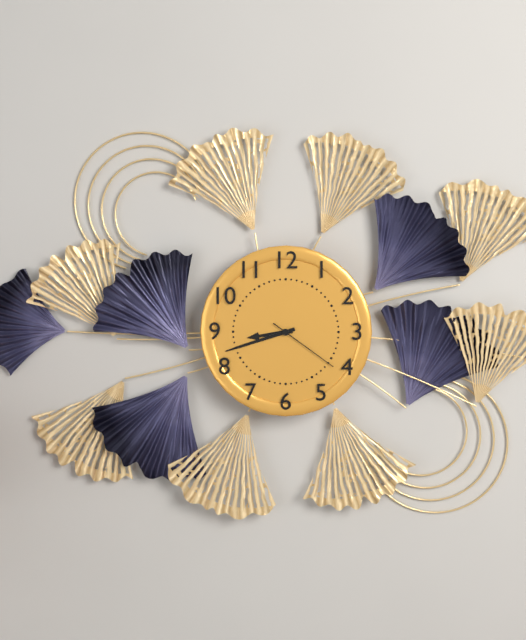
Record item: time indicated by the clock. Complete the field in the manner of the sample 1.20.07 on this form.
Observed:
8.42.21
